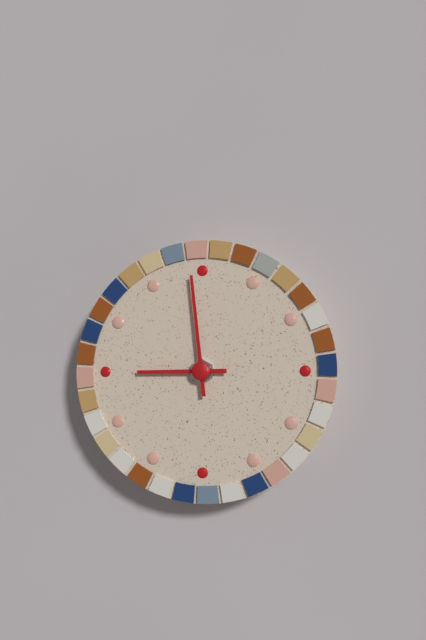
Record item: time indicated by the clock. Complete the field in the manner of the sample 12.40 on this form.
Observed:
8.59
